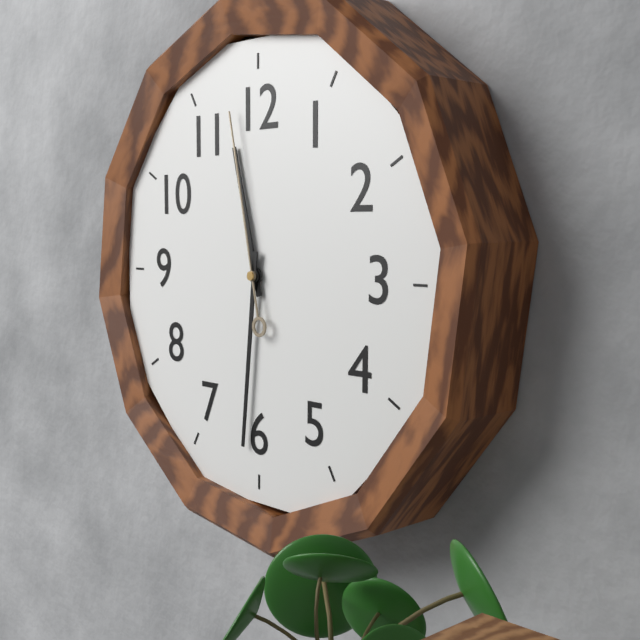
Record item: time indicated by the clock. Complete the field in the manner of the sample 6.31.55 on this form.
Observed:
11.31.58
